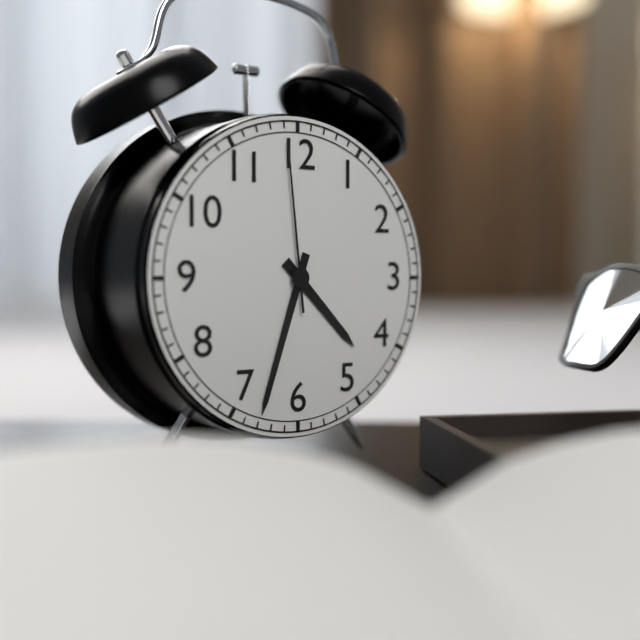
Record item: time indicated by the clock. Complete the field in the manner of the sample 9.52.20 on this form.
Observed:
4.33.59
